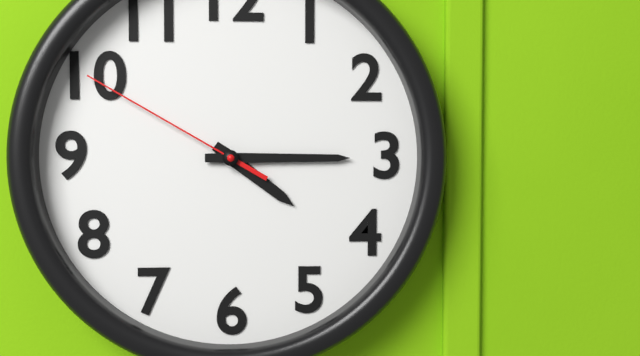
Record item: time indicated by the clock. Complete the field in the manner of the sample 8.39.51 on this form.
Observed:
4.15.50
